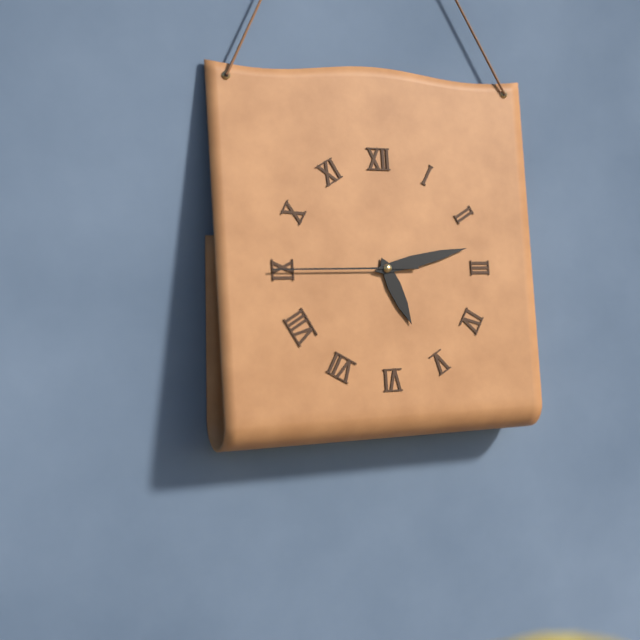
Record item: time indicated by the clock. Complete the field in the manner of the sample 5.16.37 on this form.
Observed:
5.13.45
